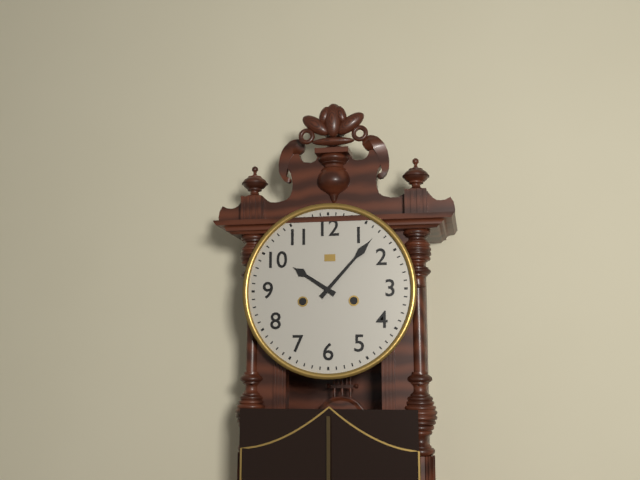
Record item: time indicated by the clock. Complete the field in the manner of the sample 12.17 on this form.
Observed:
10.07
